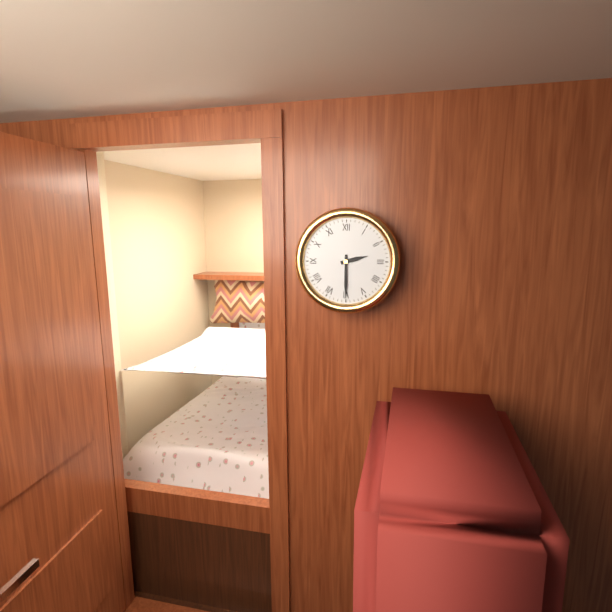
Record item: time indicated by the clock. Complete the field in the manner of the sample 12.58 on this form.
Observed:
2.30
